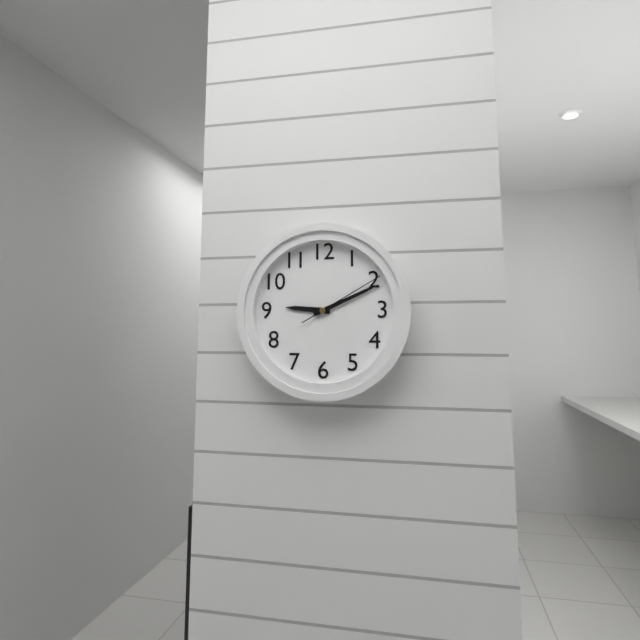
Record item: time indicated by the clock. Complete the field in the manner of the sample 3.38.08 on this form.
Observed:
9.11.10
